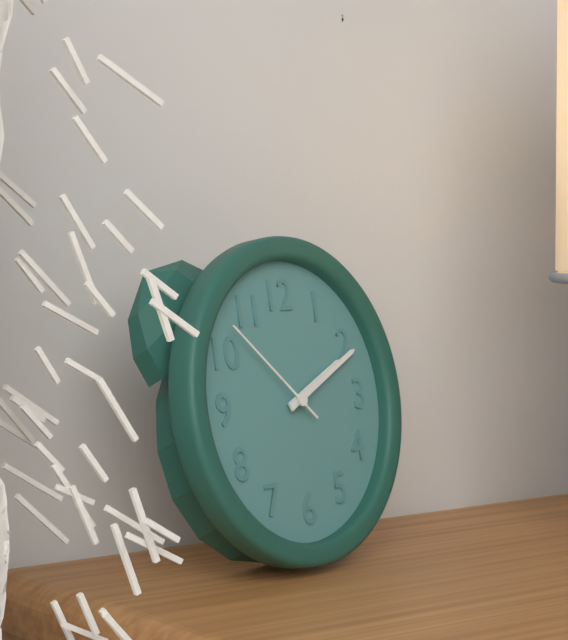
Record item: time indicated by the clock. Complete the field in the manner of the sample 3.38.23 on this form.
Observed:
2.11.52
